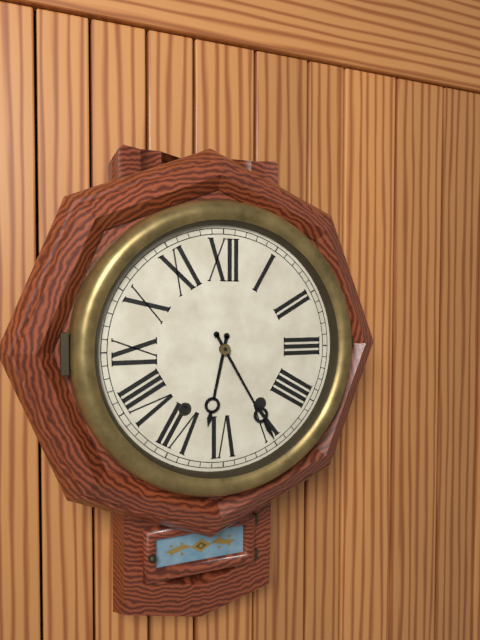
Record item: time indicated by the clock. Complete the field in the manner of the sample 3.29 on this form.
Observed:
6.25
